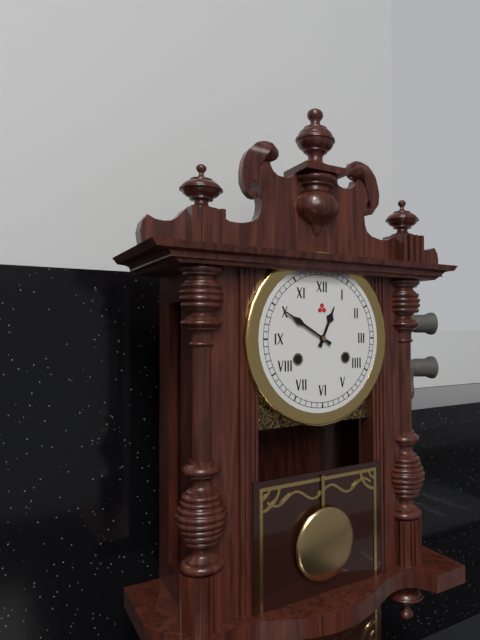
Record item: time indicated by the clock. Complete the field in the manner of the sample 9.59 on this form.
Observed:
12.50
